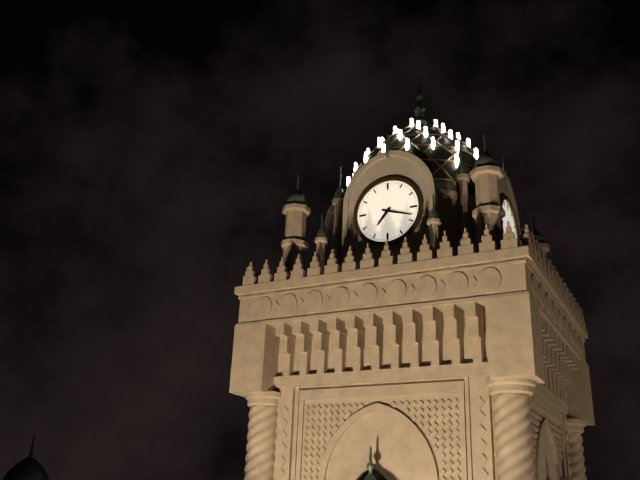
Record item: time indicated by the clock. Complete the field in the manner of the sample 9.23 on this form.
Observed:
7.18
